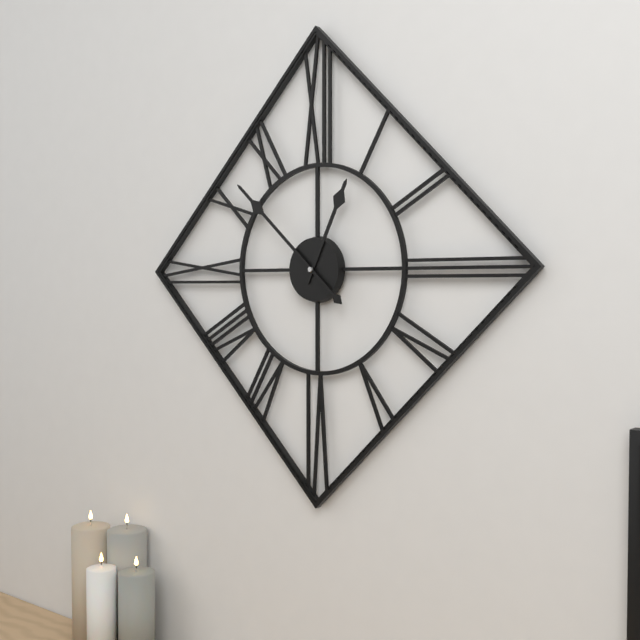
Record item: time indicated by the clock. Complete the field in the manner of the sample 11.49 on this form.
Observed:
12.52
